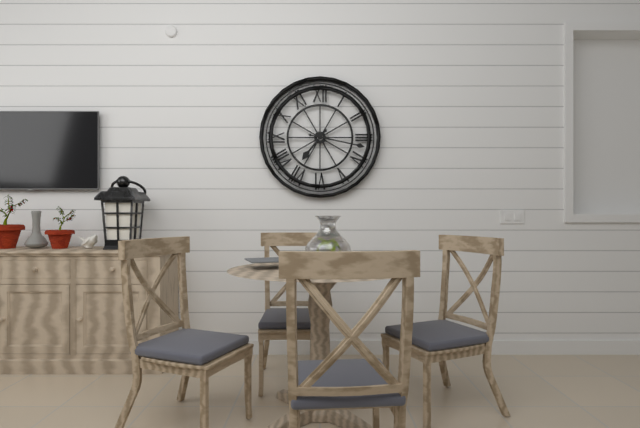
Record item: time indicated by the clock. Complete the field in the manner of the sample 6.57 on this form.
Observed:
7.17
